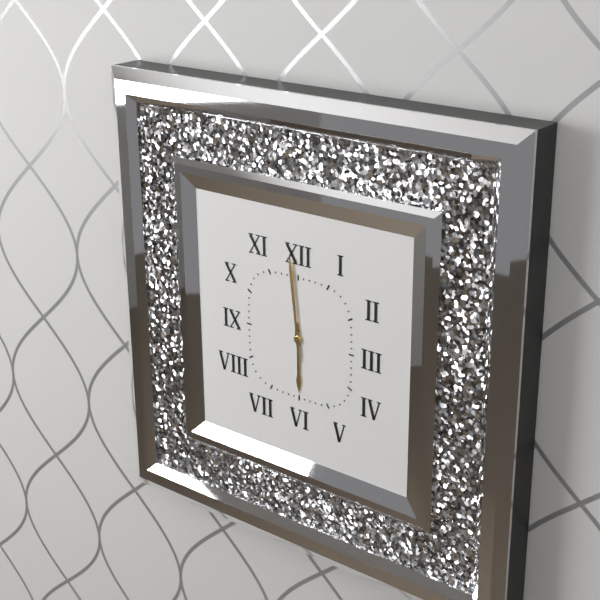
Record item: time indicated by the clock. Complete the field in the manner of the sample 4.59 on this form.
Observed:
5.59
